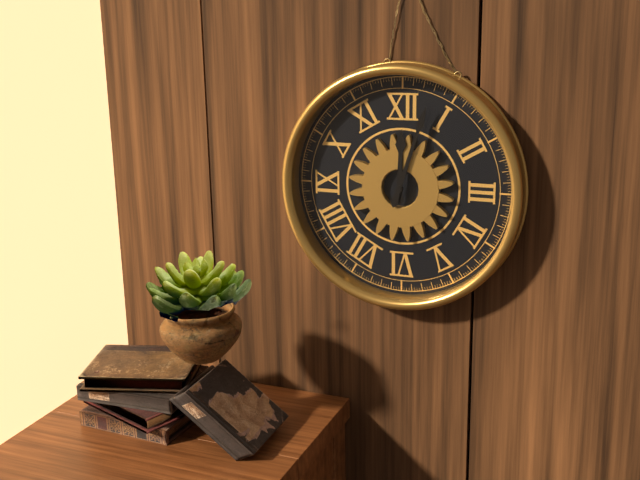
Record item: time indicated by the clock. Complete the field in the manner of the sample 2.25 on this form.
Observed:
12.03
